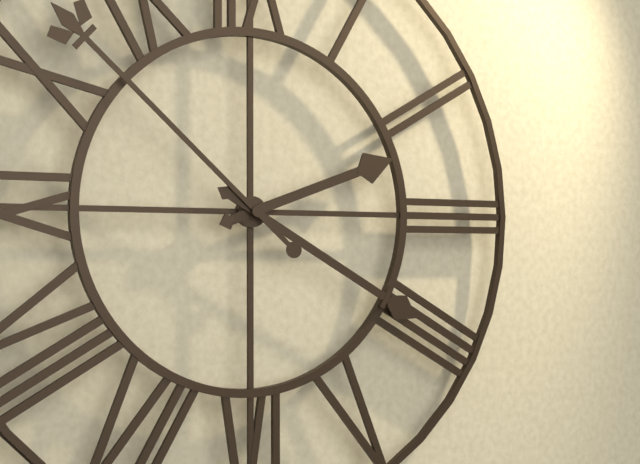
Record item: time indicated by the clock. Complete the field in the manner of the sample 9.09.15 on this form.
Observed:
2.20.52
